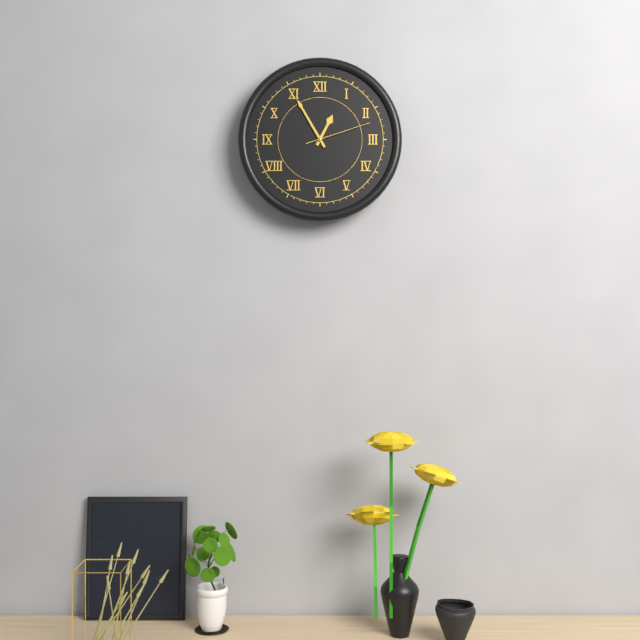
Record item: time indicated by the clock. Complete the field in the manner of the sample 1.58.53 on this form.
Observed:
12.55.12
